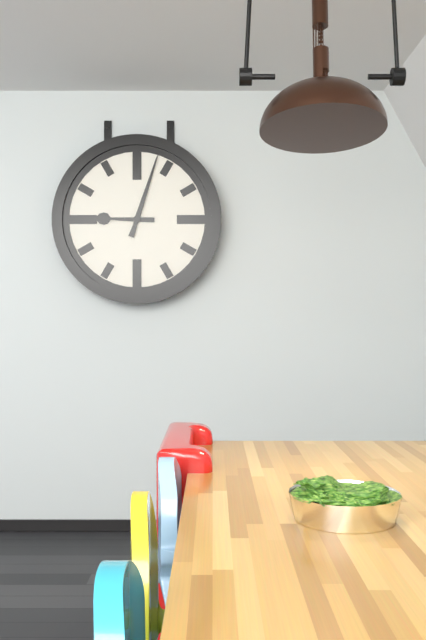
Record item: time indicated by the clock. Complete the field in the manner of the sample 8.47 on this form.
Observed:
9.03
